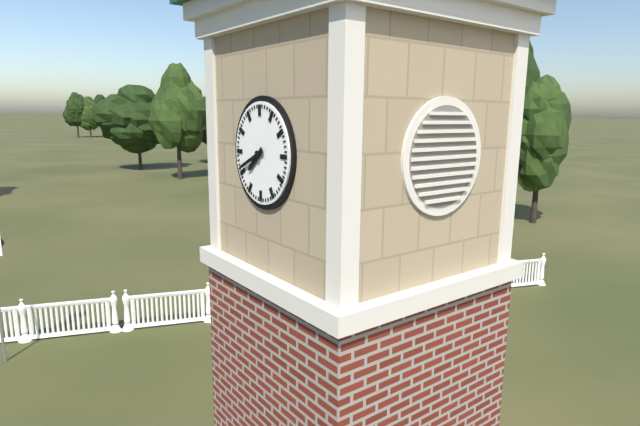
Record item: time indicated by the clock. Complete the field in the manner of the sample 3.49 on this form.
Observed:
7.41
